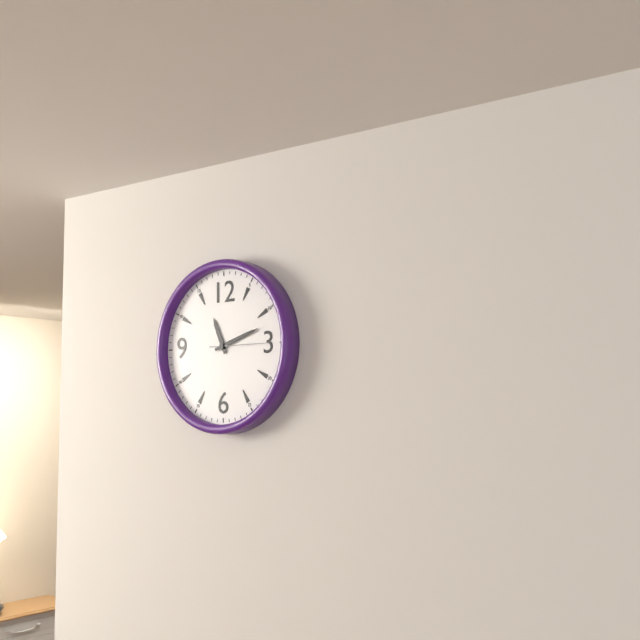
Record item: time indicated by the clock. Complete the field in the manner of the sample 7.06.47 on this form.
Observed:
11.12.15
